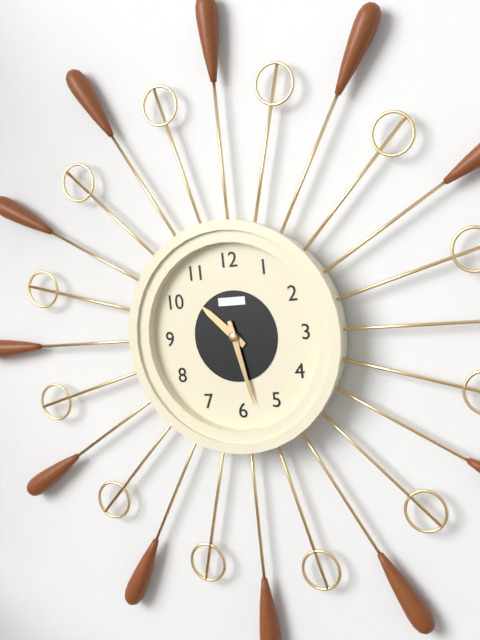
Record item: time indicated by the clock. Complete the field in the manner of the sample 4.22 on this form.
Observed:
10.28
